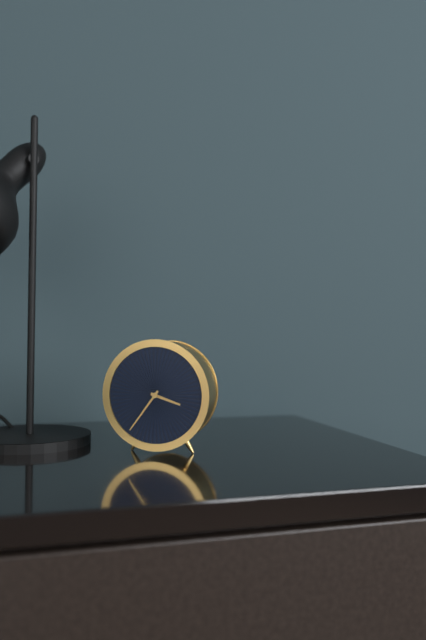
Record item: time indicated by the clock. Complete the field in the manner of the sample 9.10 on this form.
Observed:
3.36
